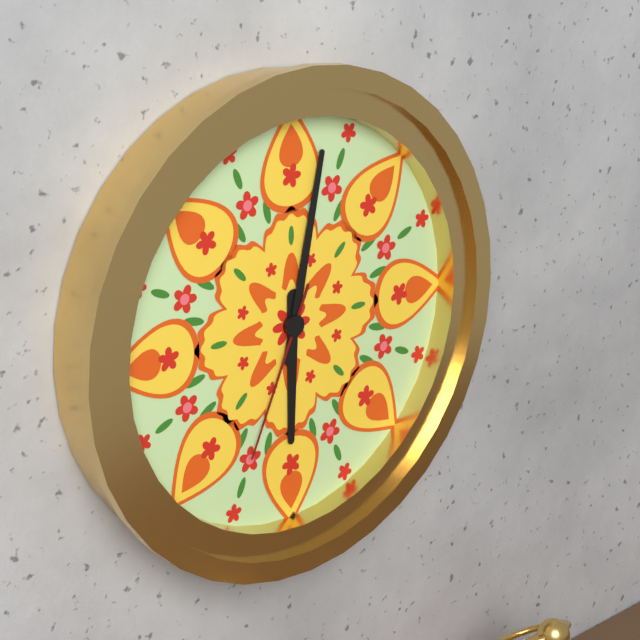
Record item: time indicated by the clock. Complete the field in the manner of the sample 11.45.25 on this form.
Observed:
6.02.34
